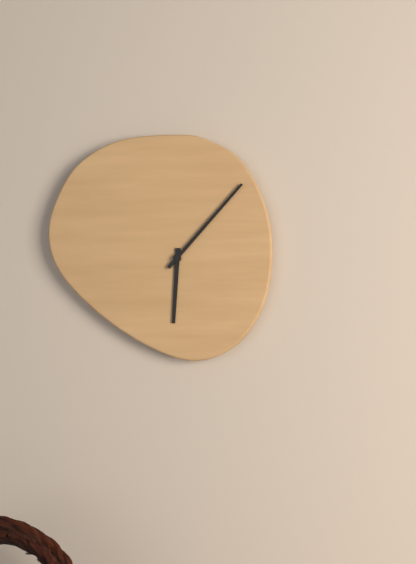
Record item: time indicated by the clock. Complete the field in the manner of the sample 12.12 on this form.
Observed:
6.07
